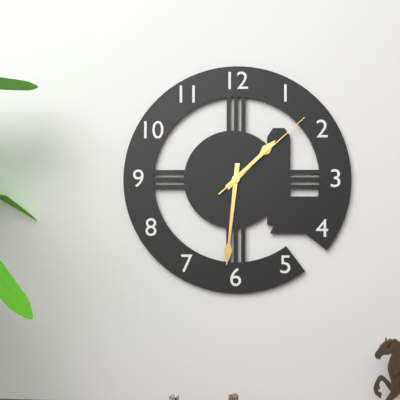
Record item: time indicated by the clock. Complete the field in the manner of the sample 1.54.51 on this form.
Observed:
1.31.08
